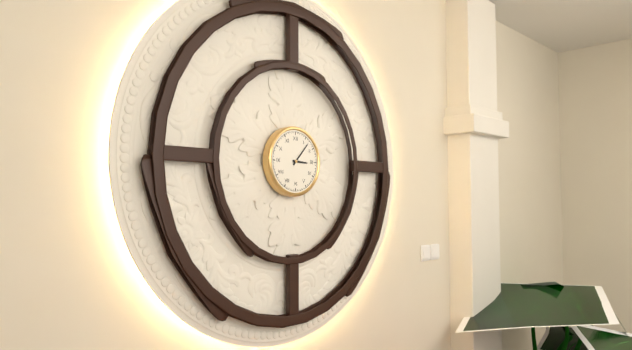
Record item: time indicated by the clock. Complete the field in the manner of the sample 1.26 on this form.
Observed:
3.07
